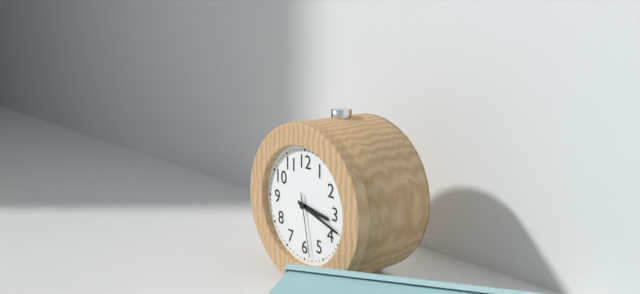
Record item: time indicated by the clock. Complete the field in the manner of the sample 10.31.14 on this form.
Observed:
3.18.28
